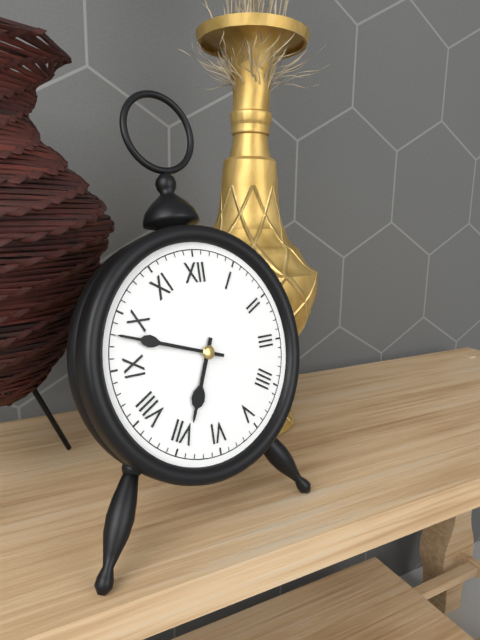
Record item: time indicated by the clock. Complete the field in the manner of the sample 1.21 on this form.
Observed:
6.48
